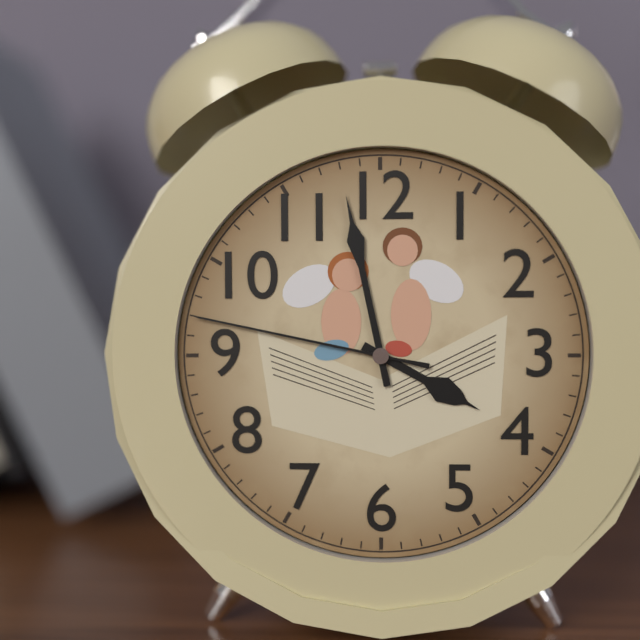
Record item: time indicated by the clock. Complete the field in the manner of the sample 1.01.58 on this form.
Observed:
3.58.47
